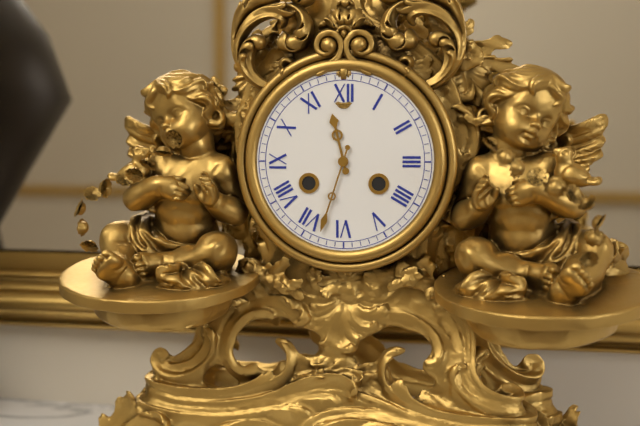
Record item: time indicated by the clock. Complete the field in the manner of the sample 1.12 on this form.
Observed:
11.33
